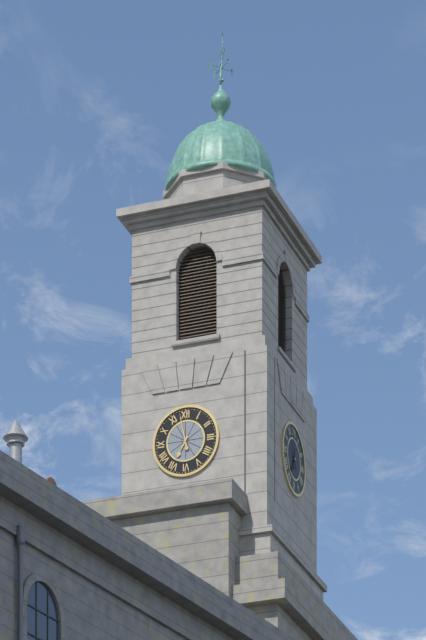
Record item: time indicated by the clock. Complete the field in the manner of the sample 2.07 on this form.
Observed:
6.58
